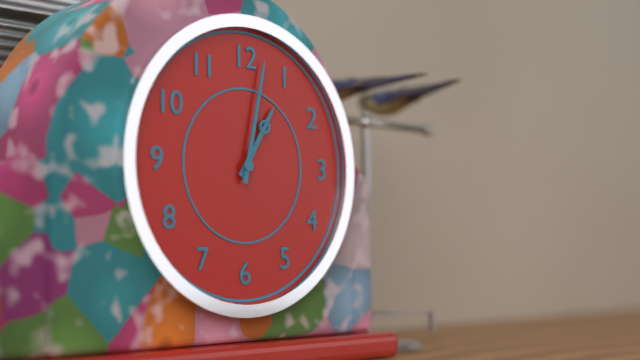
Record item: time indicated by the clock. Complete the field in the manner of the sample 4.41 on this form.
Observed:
1.02
